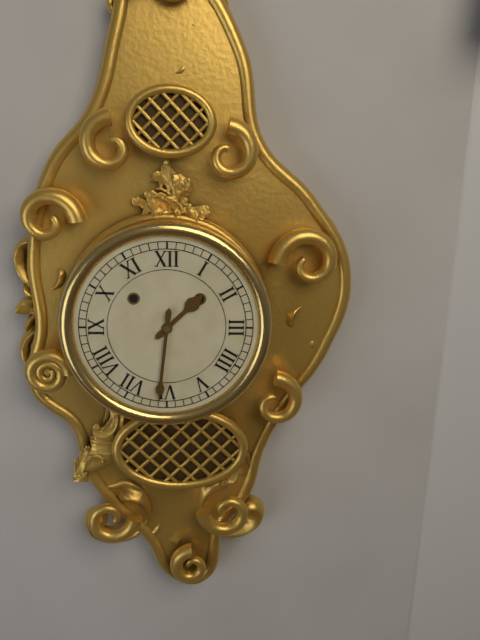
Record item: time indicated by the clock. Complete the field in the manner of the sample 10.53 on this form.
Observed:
1.31
